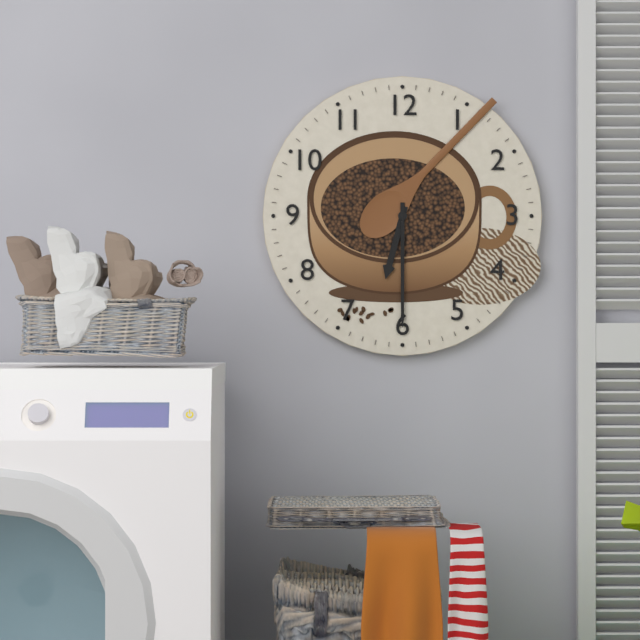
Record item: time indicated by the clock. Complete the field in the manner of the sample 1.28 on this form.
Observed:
6.30
